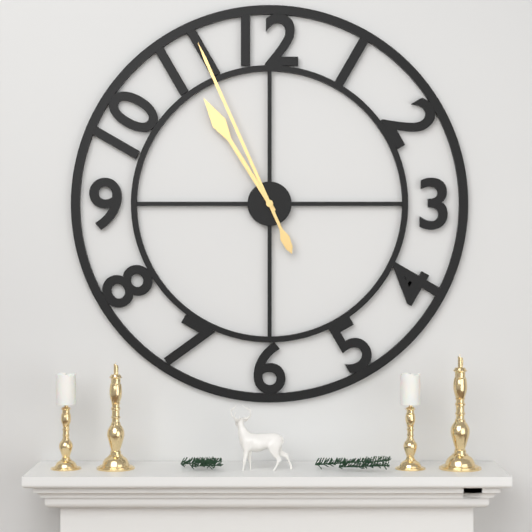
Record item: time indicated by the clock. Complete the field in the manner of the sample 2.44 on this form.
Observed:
10.56
